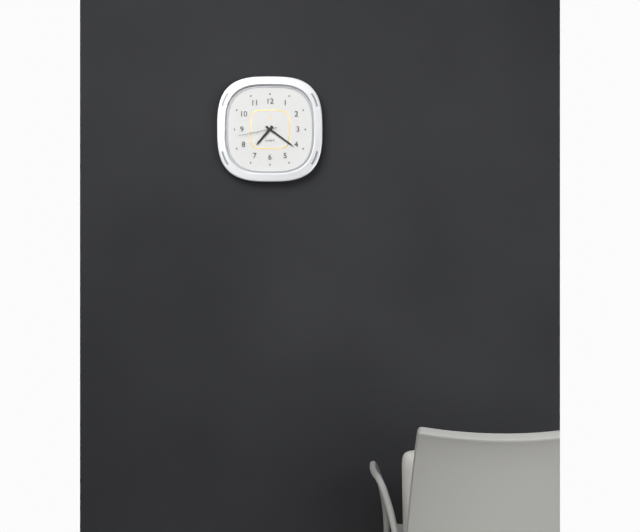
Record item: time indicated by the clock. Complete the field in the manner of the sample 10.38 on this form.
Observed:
7.21
